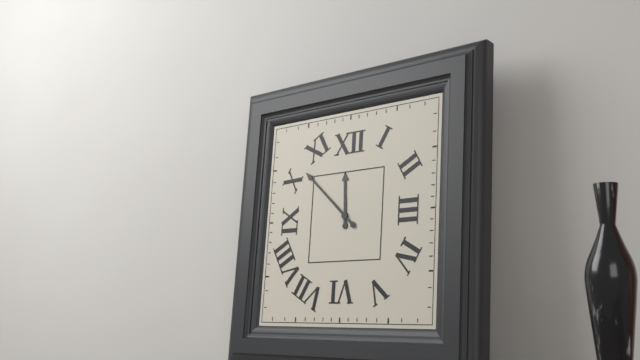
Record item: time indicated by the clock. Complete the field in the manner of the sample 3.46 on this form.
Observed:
11.52
